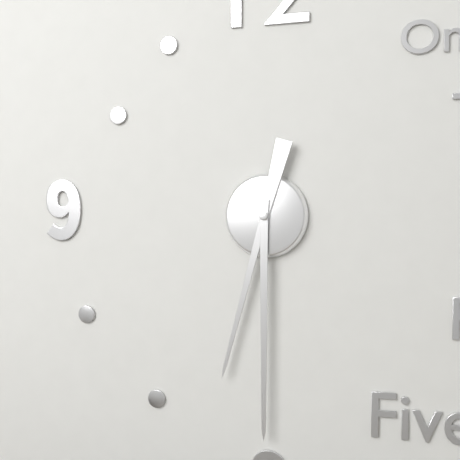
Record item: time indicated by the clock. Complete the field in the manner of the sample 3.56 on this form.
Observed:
6.30
